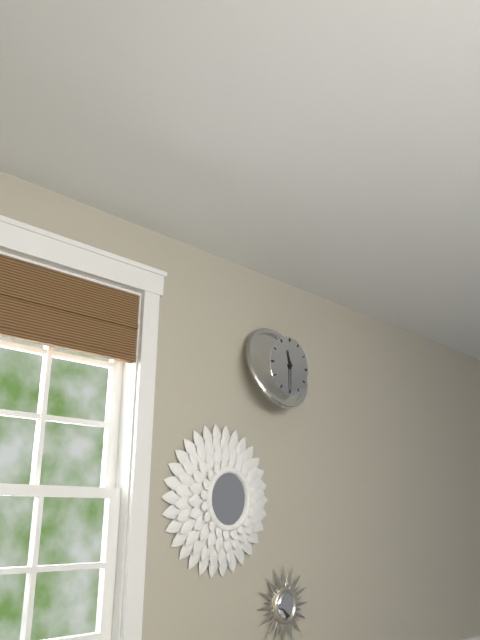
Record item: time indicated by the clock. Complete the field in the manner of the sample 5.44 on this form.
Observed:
11.30
